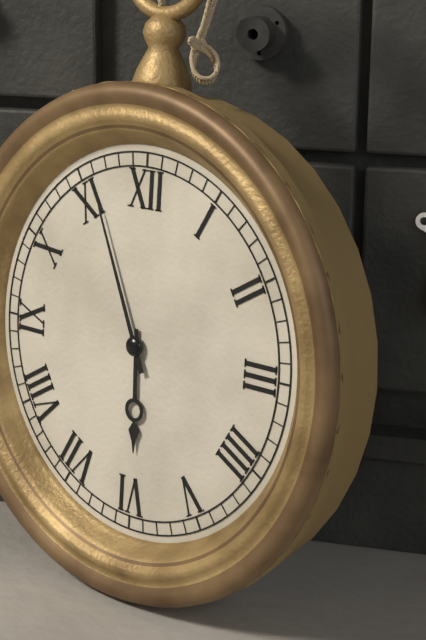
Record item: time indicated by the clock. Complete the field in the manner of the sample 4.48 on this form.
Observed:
5.56
